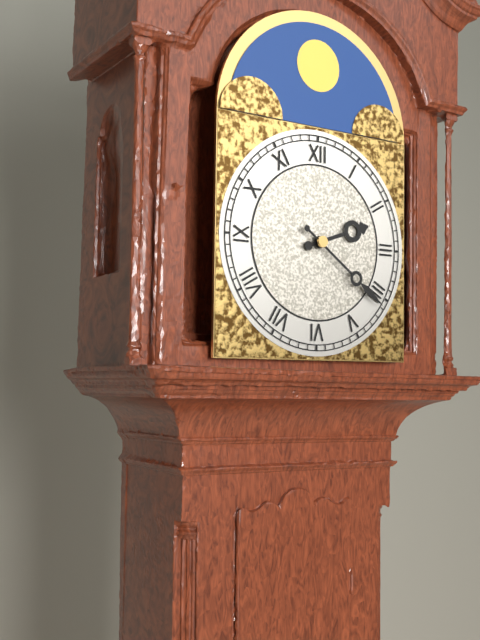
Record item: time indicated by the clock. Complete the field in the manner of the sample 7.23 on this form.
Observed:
2.21
